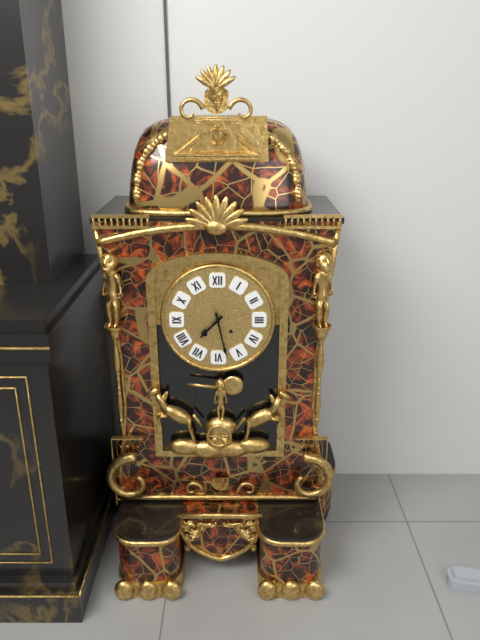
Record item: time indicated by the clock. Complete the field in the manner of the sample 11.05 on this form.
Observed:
7.28
